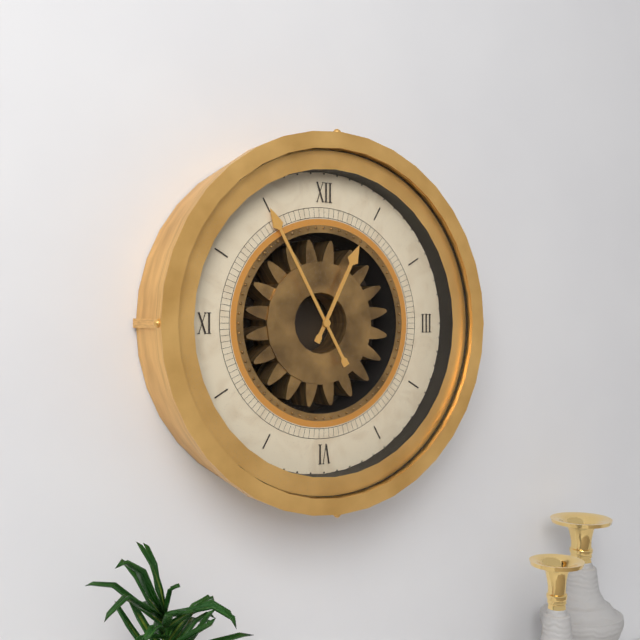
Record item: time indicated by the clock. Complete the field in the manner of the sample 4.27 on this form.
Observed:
12.55
